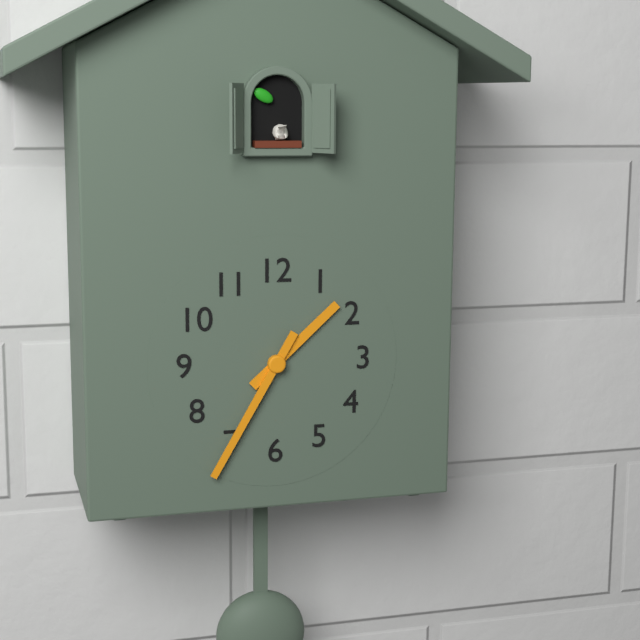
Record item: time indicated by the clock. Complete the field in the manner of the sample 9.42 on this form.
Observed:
1.35
